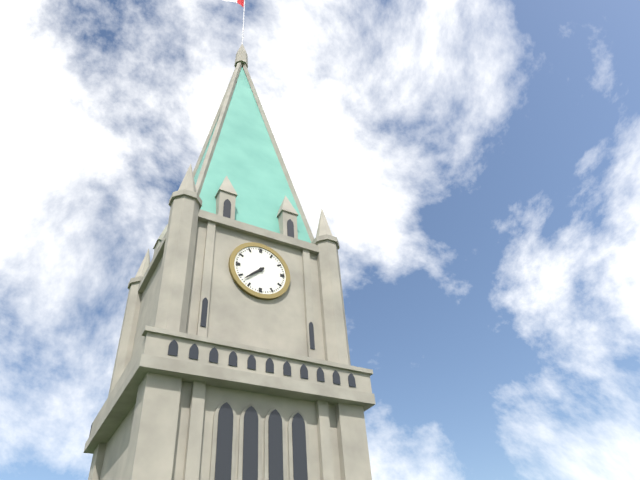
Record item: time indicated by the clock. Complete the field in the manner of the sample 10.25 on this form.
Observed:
7.38
